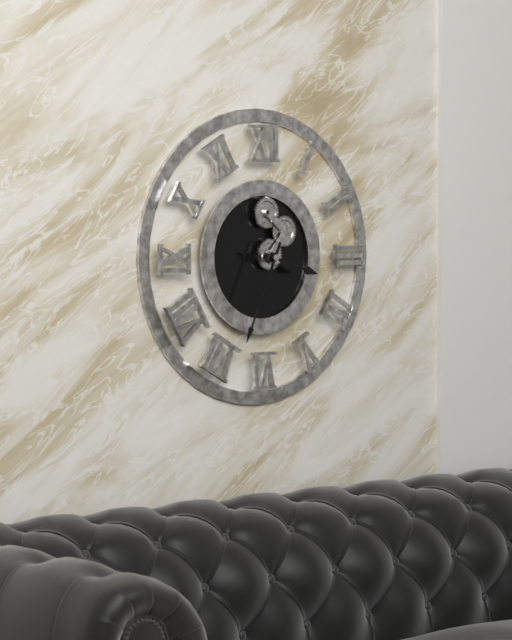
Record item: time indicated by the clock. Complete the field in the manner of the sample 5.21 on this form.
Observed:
3.34
